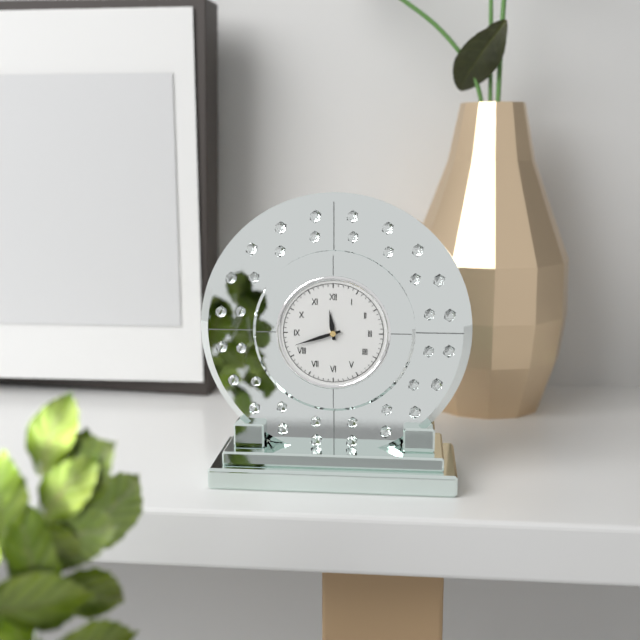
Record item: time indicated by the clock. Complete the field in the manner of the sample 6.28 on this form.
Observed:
11.42
